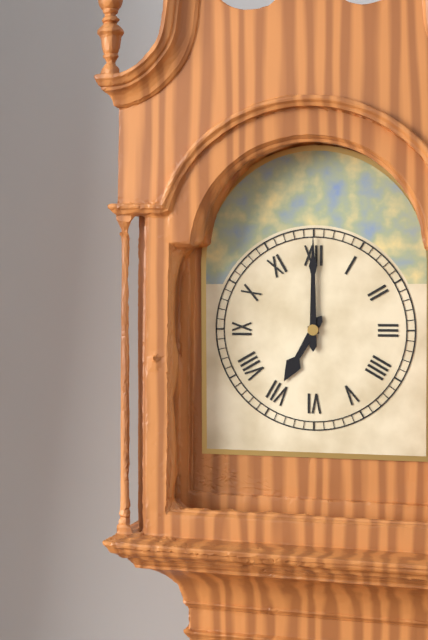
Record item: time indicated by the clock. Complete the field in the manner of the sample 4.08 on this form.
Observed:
7.00
